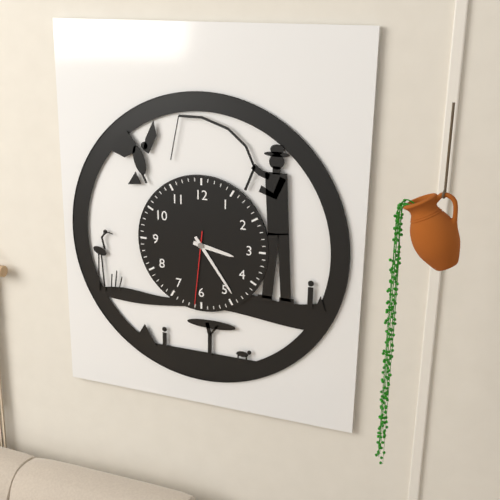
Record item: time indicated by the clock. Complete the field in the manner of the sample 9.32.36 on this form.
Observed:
3.24.31
